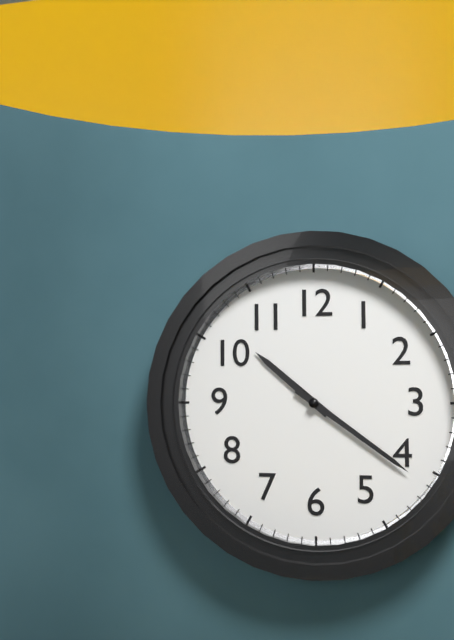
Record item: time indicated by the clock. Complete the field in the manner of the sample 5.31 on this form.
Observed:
10.21
